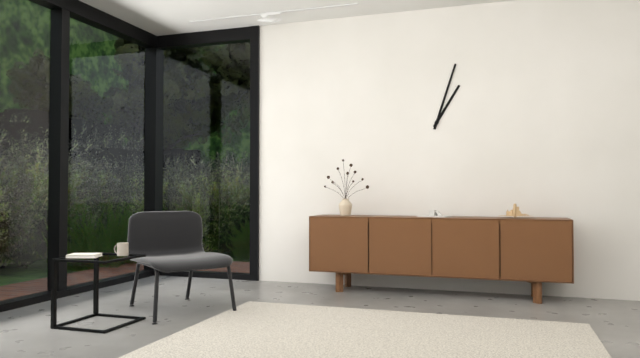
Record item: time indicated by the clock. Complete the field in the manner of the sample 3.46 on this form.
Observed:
1.03
